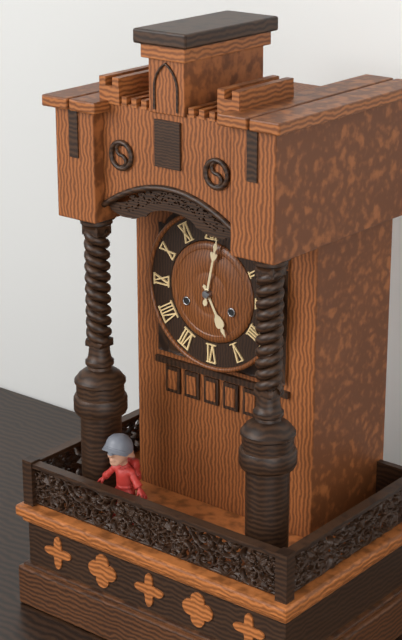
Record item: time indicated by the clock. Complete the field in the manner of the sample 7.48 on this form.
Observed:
5.02
